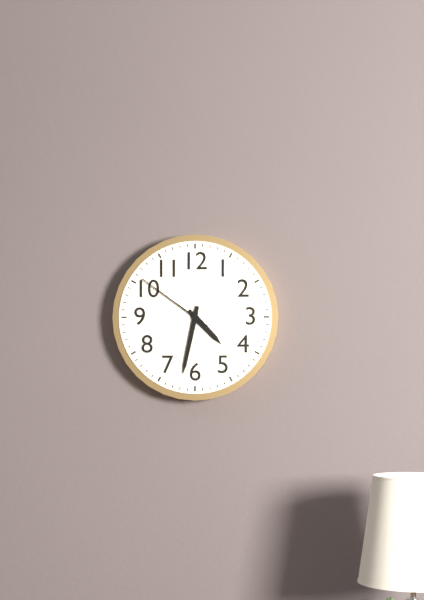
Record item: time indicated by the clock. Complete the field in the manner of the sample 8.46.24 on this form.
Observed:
4.32.51
